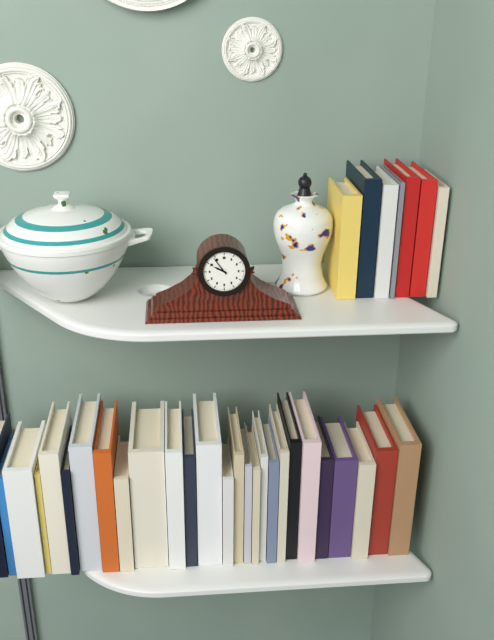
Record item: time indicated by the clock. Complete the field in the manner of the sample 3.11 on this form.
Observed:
9.54
